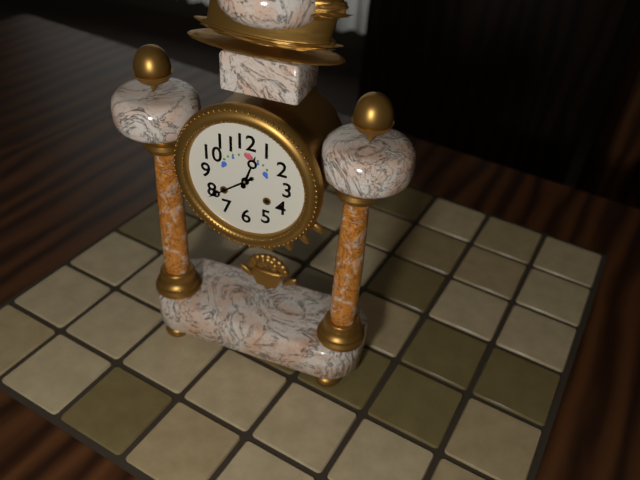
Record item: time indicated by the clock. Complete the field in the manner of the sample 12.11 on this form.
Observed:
12.39
